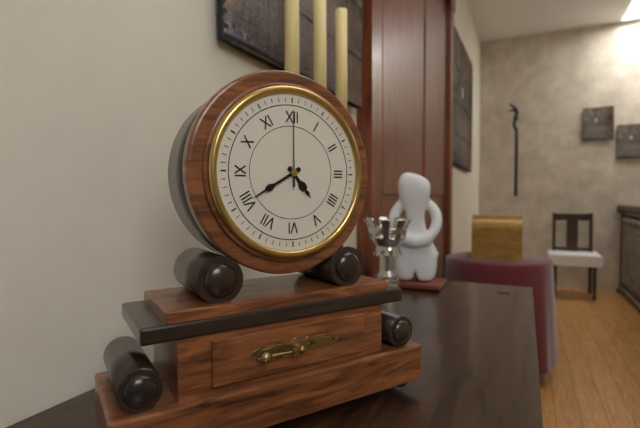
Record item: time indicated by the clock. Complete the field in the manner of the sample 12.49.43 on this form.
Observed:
4.40.00
